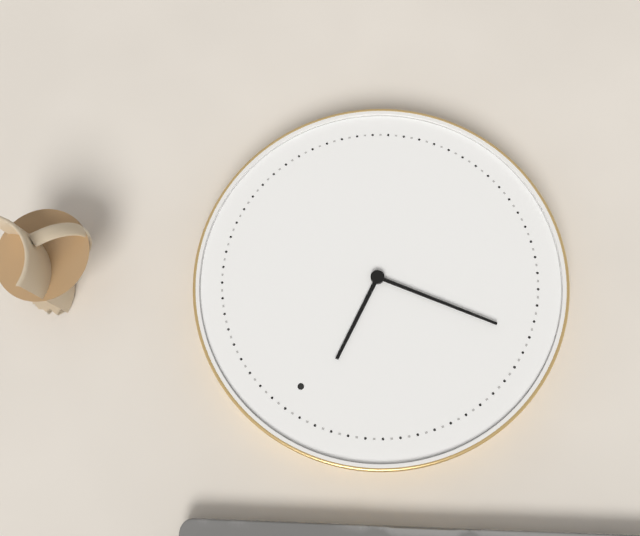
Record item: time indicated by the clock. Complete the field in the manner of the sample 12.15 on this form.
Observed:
11.43
